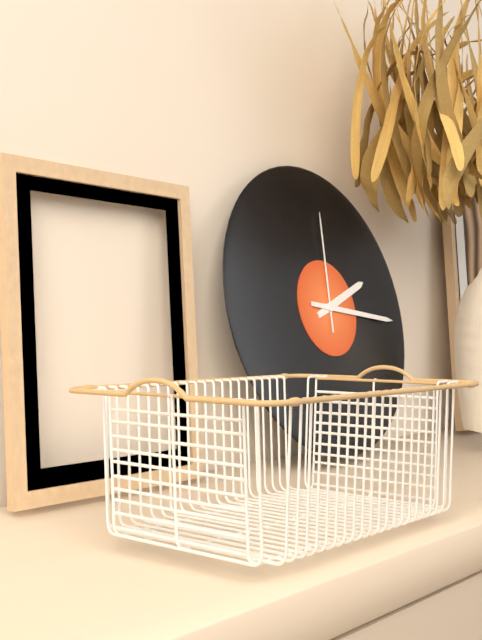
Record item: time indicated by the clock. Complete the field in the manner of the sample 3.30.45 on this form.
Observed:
2.16.01
